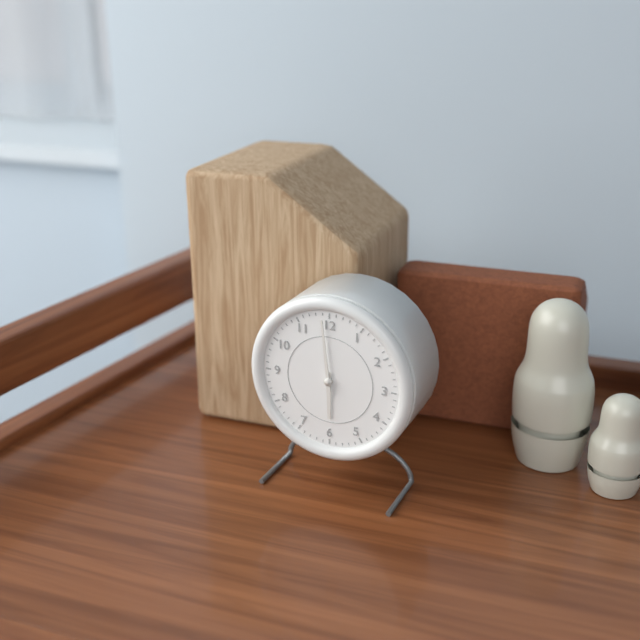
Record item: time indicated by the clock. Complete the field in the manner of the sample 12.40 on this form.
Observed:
5.59
